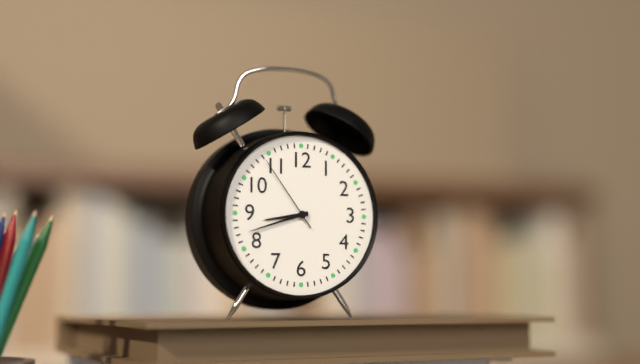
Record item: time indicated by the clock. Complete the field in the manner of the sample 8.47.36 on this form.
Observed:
8.42.54
